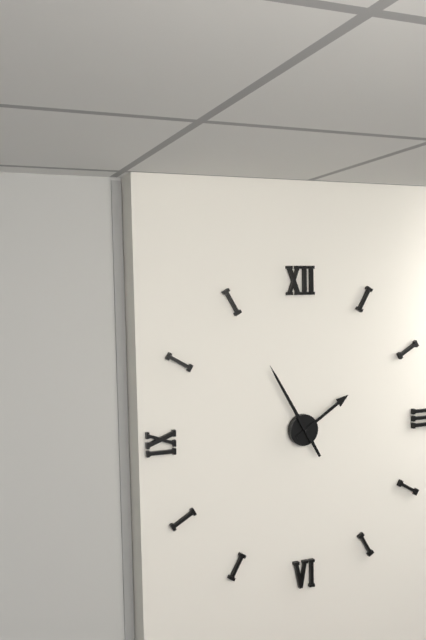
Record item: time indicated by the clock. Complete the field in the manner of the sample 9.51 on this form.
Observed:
1.55
